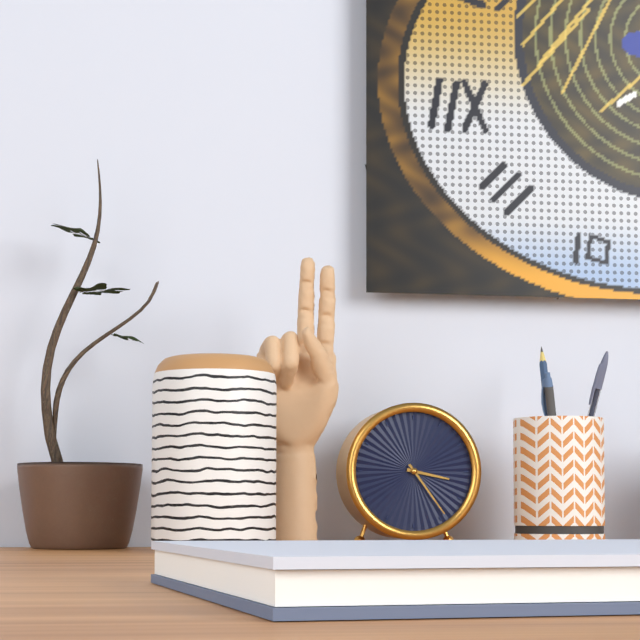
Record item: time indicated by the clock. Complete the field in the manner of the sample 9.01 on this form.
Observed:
3.24
